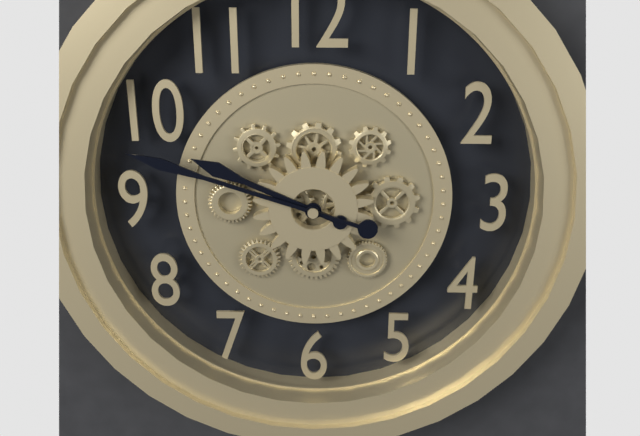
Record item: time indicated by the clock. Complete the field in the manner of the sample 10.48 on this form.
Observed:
9.48
